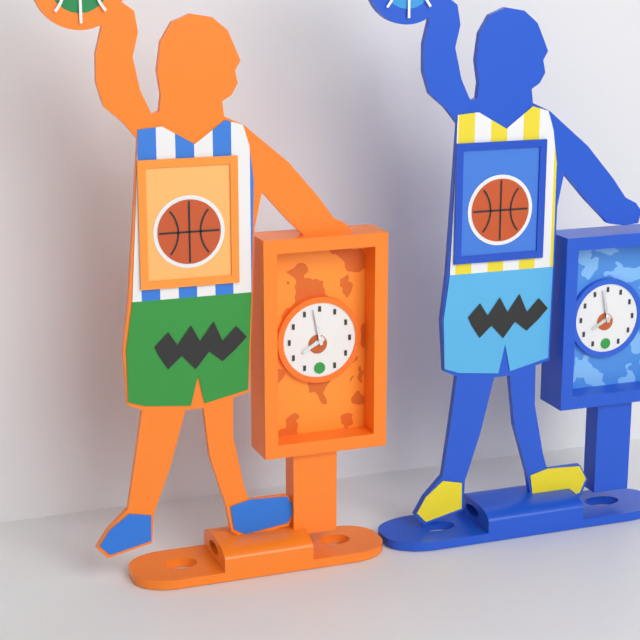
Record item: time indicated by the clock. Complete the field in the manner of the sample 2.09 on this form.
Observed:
7.58
